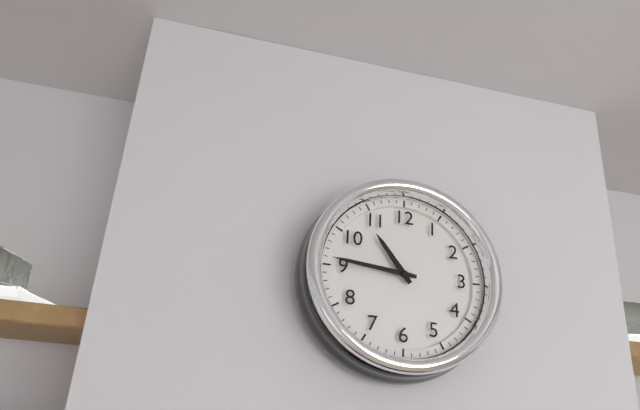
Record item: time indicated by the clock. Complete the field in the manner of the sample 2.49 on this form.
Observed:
10.46
